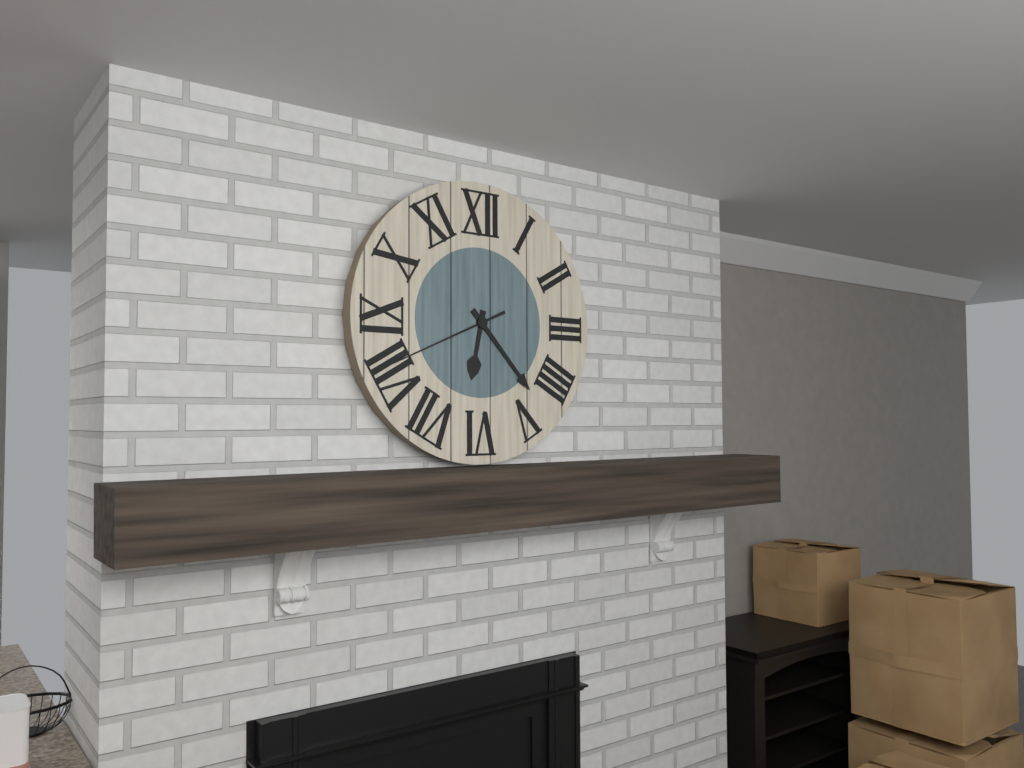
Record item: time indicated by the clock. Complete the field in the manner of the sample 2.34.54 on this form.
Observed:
6.23.41
